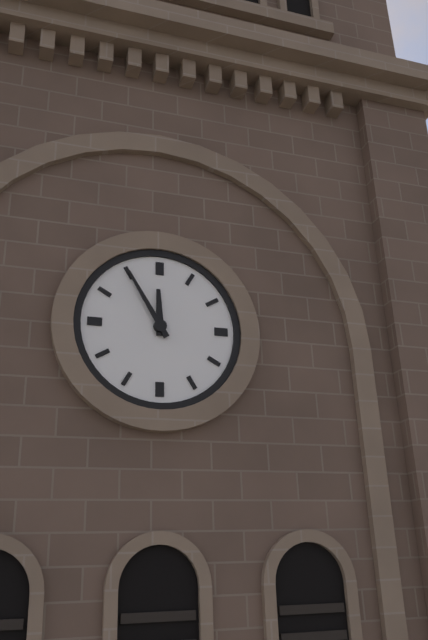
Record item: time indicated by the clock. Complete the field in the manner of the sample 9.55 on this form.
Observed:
11.55
